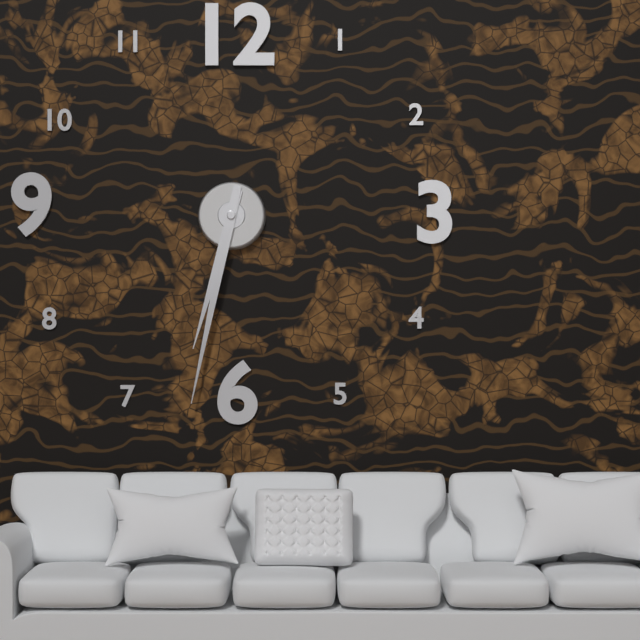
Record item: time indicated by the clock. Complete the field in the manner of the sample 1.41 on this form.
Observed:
6.32
